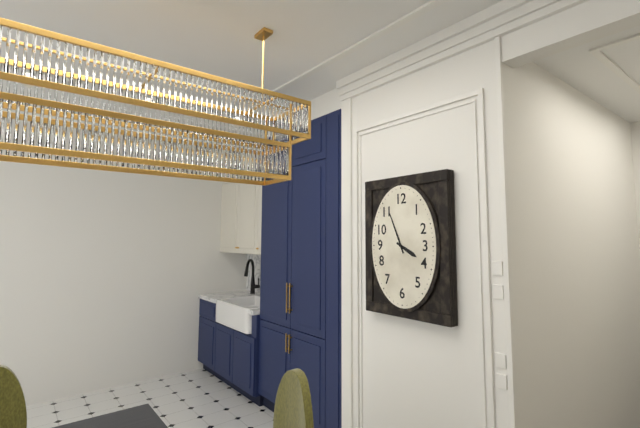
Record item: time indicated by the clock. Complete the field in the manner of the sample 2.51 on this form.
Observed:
3.56
